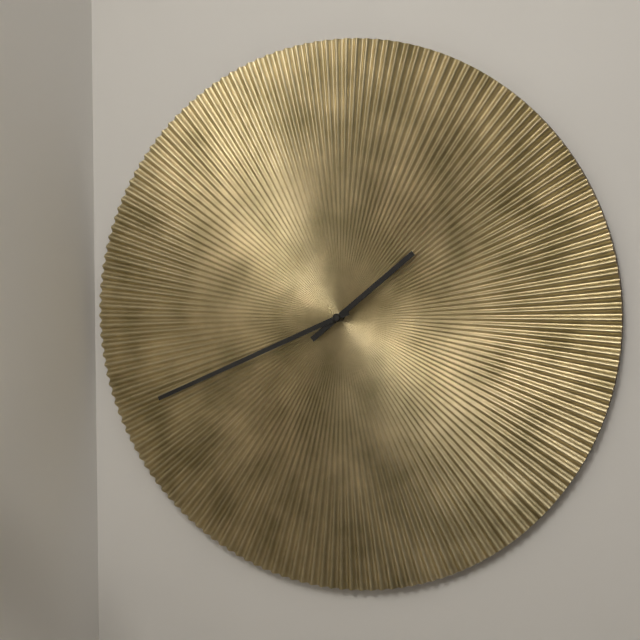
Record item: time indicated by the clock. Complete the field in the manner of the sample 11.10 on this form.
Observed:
1.41
